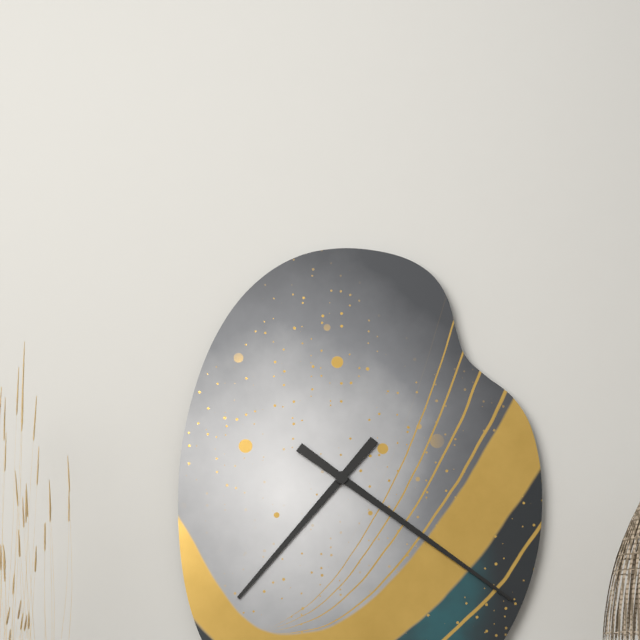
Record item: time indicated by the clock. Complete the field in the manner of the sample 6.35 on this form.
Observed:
7.21
